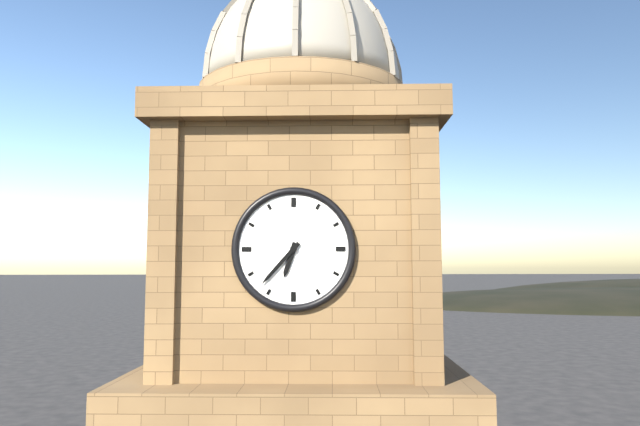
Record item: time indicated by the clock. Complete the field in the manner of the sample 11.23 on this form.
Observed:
6.37
